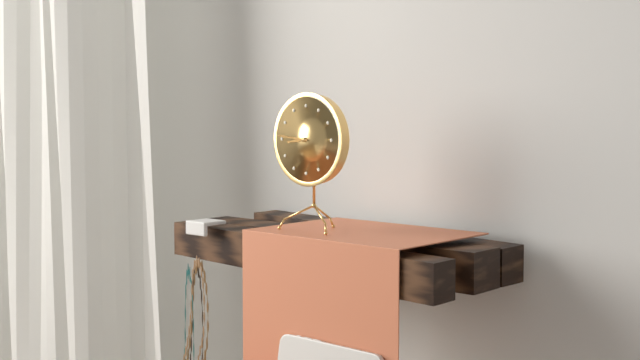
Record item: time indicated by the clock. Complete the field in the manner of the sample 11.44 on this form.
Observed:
8.46
